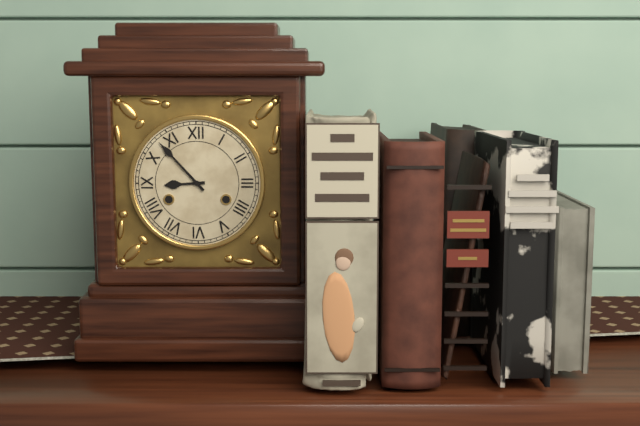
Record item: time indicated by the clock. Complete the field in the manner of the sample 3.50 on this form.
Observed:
8.53
